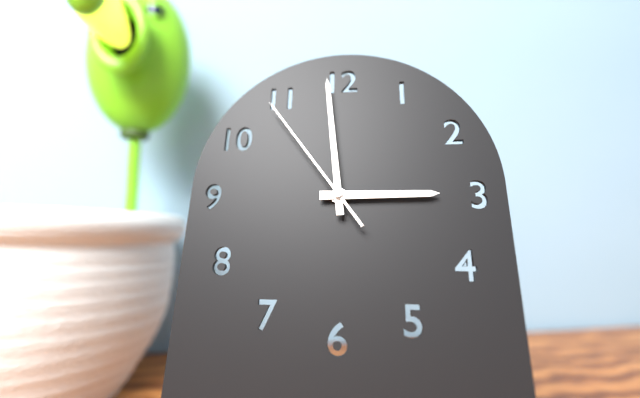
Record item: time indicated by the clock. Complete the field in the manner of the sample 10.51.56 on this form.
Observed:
2.59.54
